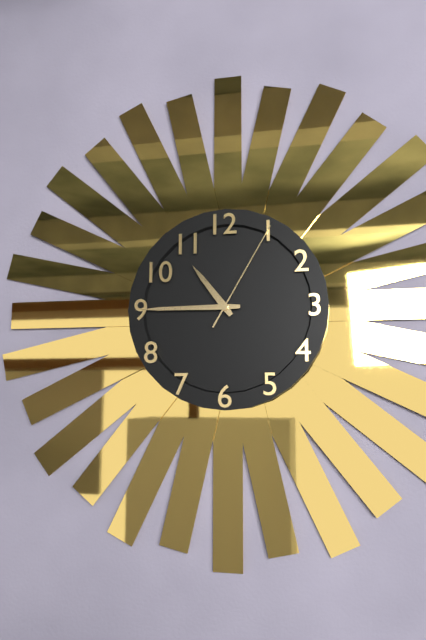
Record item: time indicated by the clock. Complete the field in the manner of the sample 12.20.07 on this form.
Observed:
10.45.05
